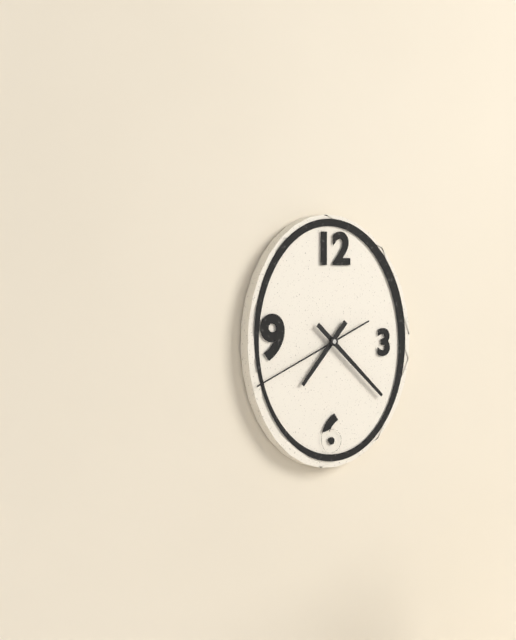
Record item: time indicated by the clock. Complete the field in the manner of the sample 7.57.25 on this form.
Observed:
7.22.41
